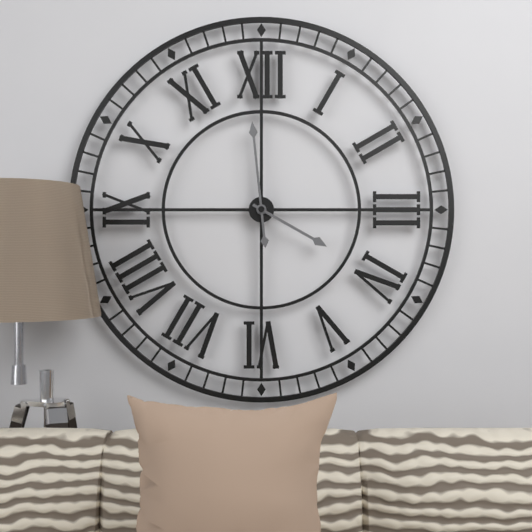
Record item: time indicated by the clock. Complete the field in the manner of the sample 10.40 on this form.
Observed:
3.59
